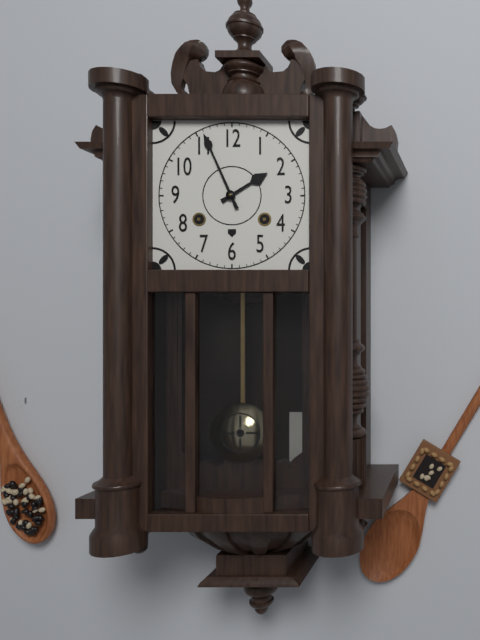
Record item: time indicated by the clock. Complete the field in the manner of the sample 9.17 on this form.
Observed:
1.56
